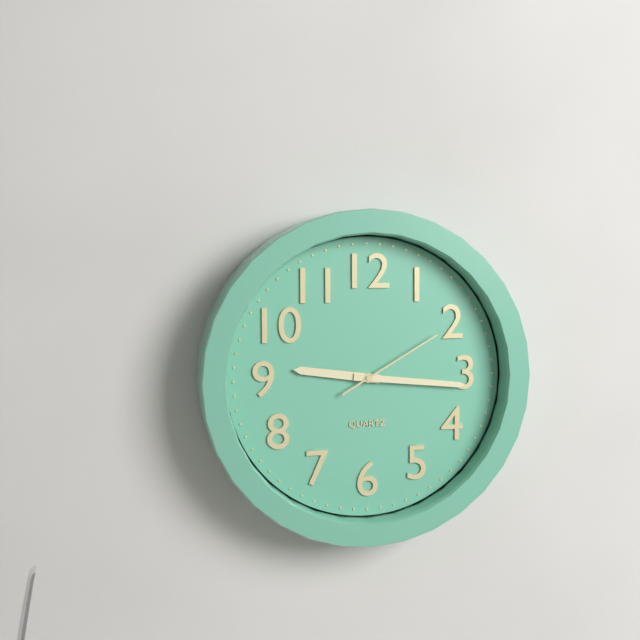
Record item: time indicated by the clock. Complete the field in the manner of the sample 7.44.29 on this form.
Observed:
9.16.10
